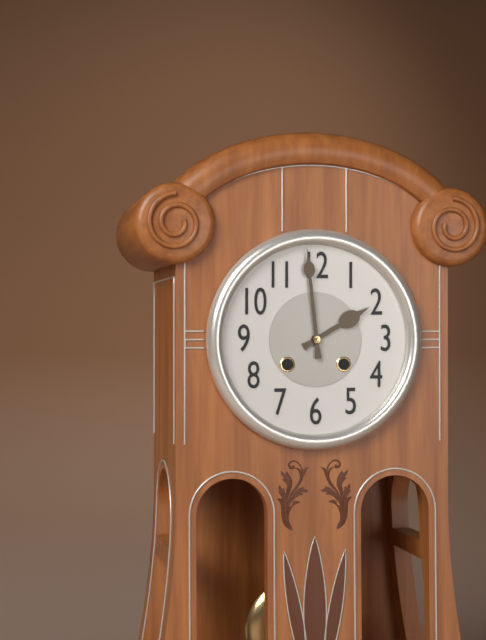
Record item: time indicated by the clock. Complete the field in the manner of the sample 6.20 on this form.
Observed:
1.59
